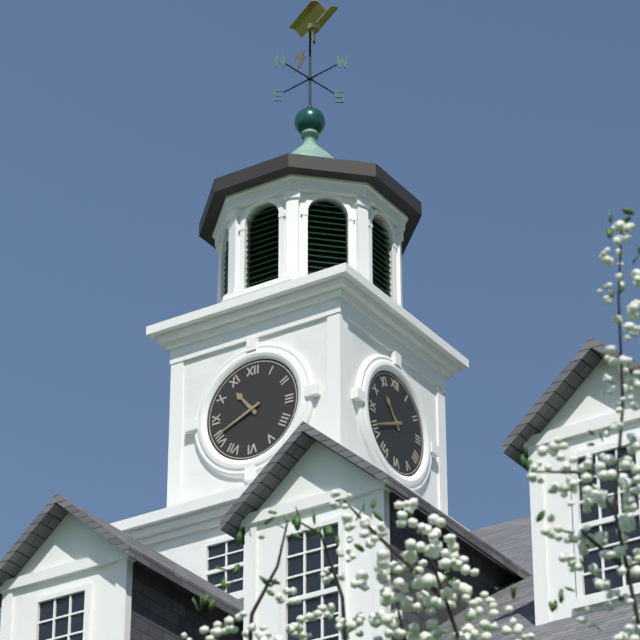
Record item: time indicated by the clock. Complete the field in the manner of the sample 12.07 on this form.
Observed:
10.41
